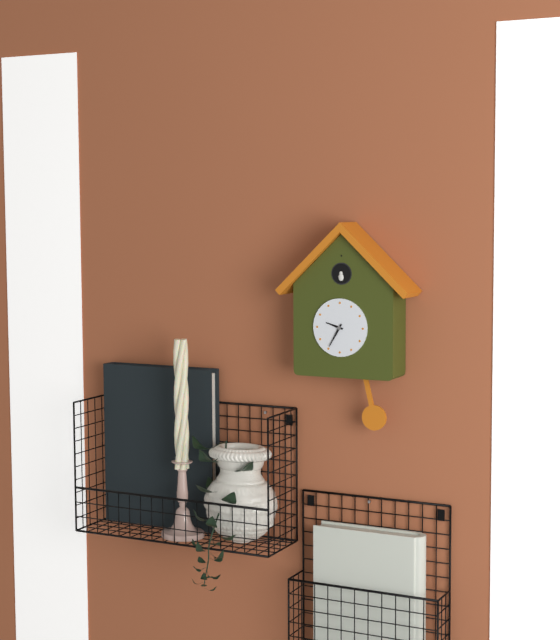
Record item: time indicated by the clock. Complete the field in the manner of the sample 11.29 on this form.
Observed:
9.35
